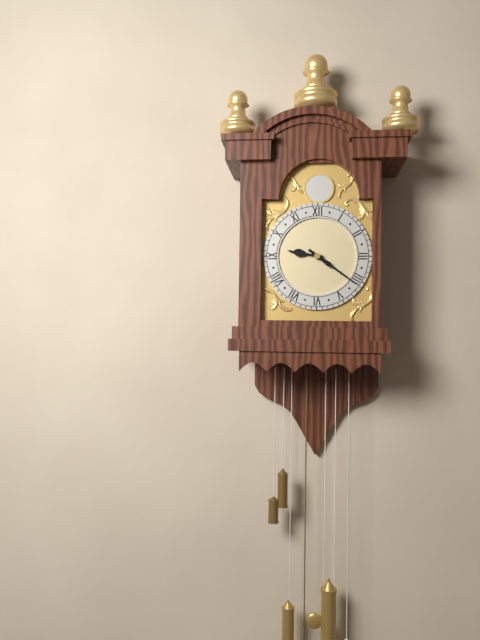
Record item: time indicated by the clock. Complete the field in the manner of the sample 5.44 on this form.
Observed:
9.21
